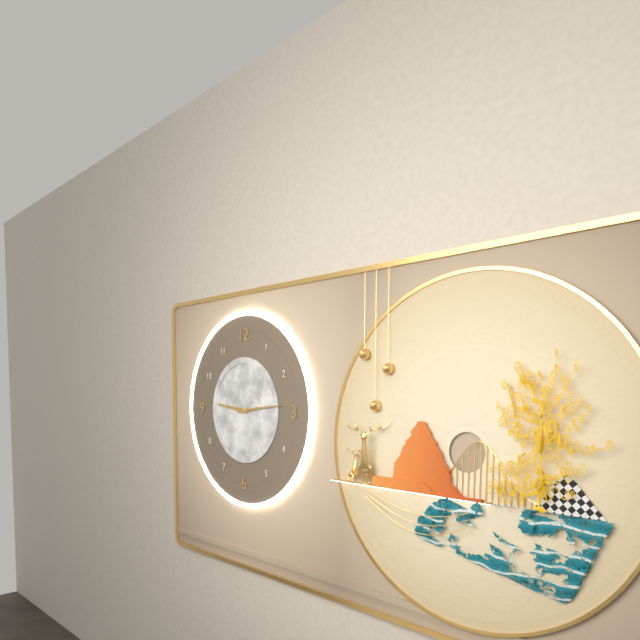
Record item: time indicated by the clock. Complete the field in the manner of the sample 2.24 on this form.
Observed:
9.14
